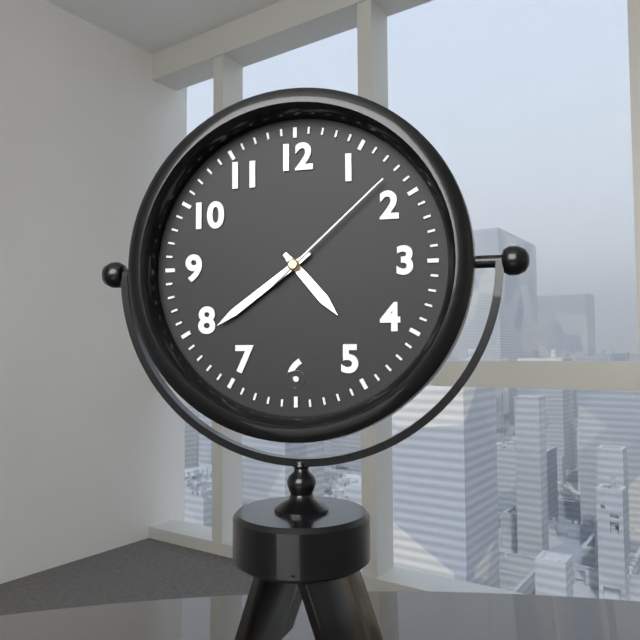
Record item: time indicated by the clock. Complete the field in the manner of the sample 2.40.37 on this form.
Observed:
4.39.08
